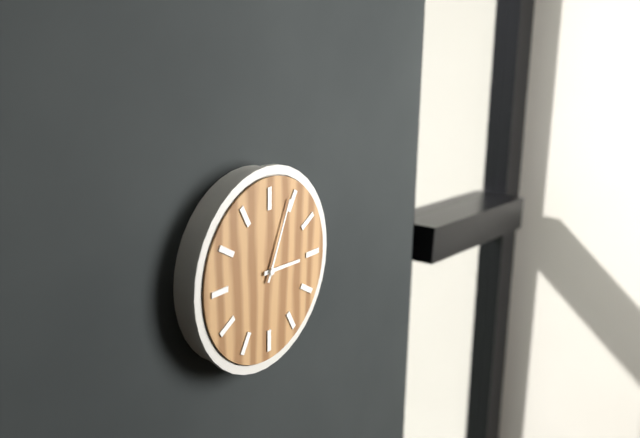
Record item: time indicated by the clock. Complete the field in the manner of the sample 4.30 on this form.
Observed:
3.04
